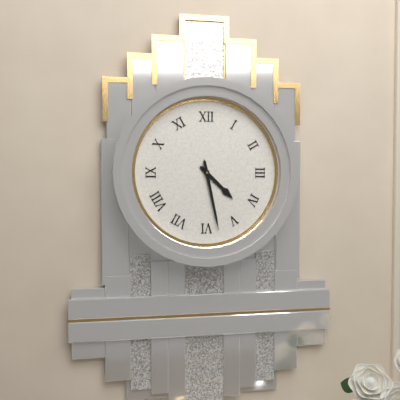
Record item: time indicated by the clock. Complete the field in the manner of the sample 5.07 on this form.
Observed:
4.28
